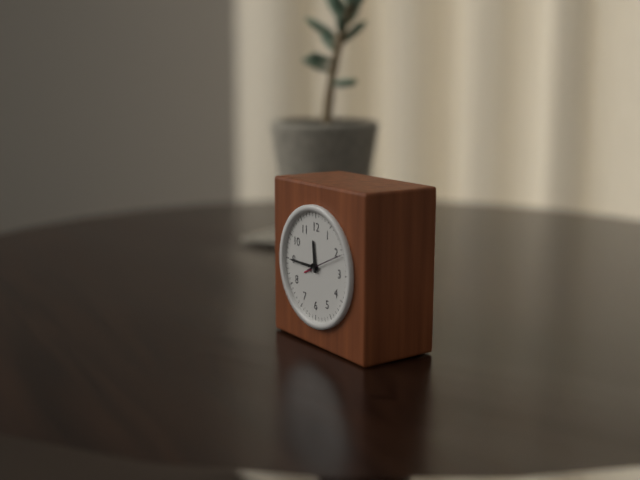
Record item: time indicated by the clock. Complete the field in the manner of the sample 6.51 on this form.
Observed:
11.45
